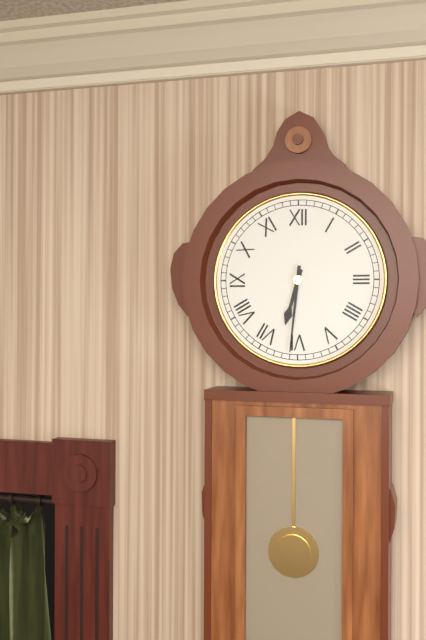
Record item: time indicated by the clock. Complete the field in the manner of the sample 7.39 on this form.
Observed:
6.31
